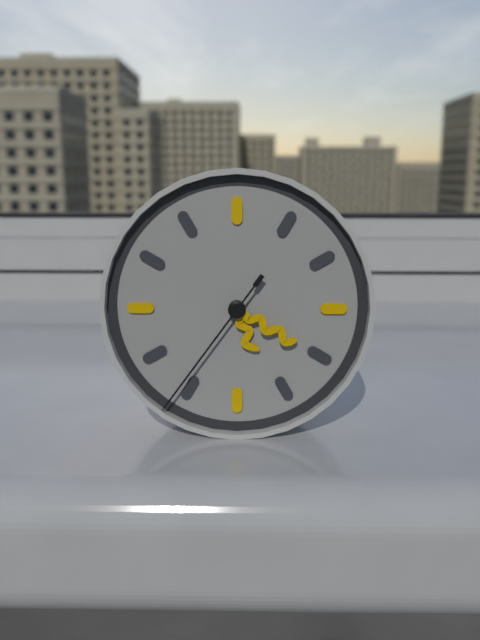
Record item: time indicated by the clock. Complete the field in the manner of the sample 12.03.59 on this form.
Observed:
5.20.36
